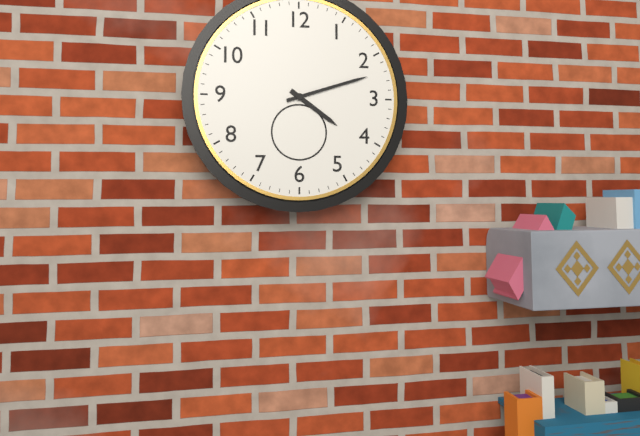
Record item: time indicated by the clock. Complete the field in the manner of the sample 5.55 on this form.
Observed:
4.12
